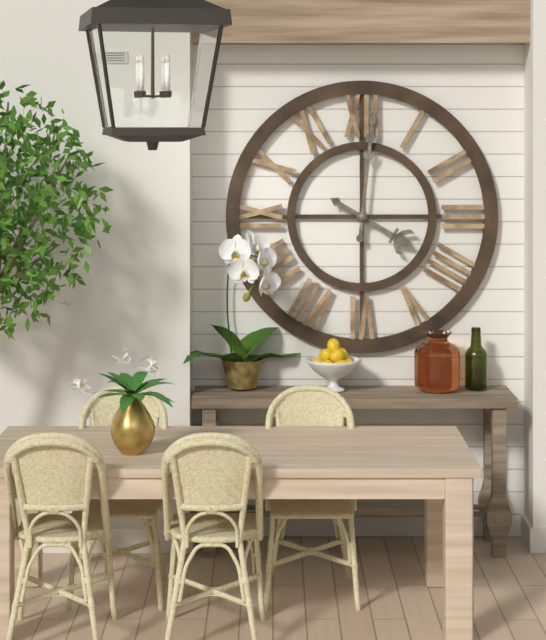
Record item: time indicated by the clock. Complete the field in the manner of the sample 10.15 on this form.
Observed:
4.01
